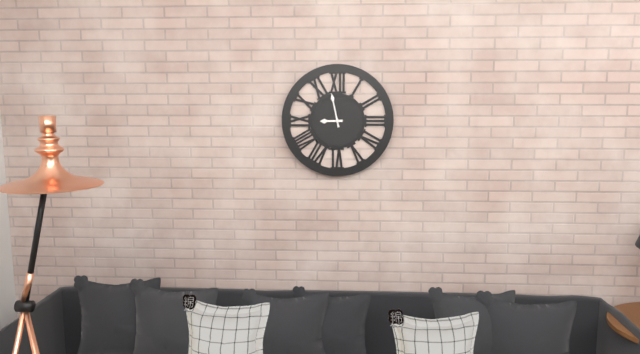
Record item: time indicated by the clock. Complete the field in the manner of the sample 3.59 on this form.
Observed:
8.58
